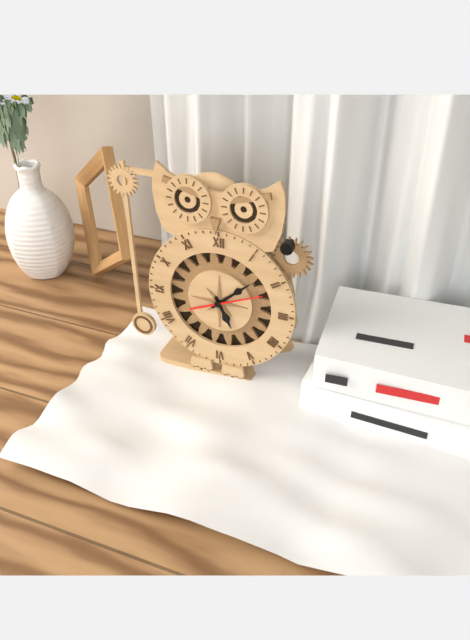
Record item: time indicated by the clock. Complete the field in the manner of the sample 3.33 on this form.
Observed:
5.08
